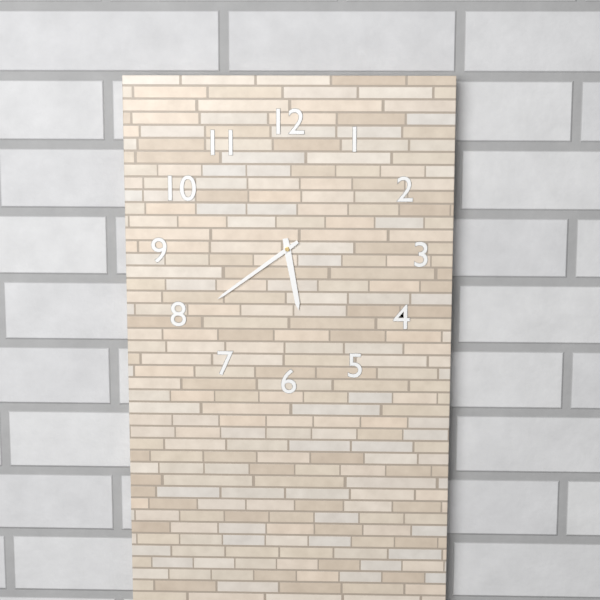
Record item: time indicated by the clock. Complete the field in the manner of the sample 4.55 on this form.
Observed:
5.39
